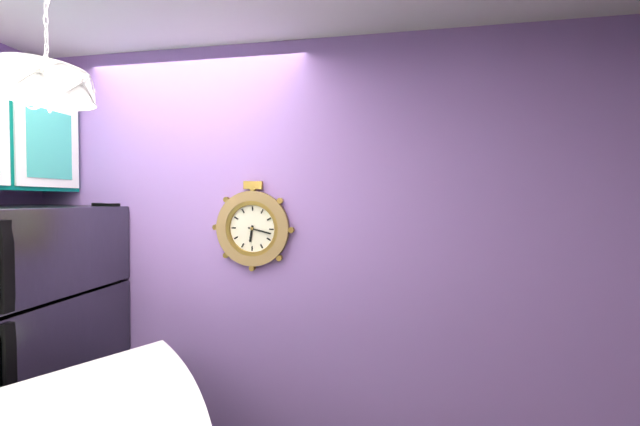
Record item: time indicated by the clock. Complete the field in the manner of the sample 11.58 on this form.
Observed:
6.17
